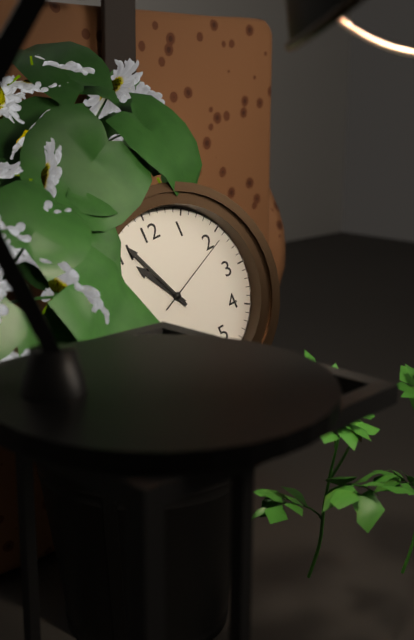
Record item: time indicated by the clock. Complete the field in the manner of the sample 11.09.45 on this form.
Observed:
10.56.11
